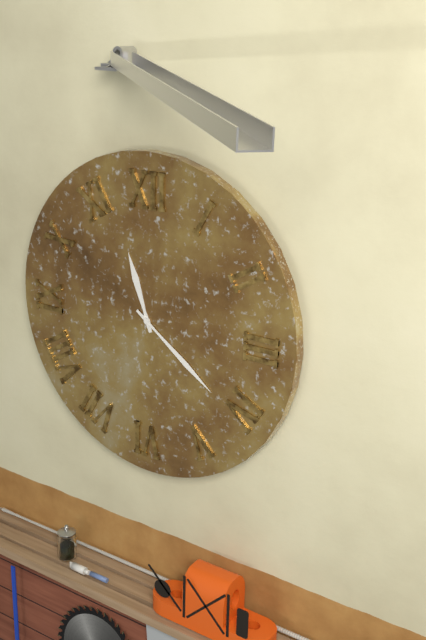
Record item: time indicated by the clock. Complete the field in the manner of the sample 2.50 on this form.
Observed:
11.21
